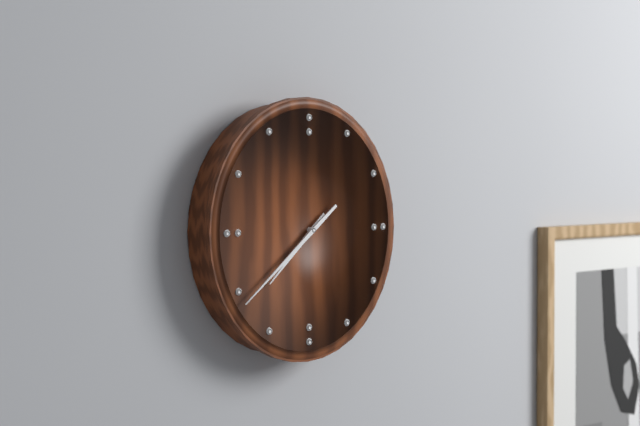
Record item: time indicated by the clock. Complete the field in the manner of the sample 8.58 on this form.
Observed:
7.39
